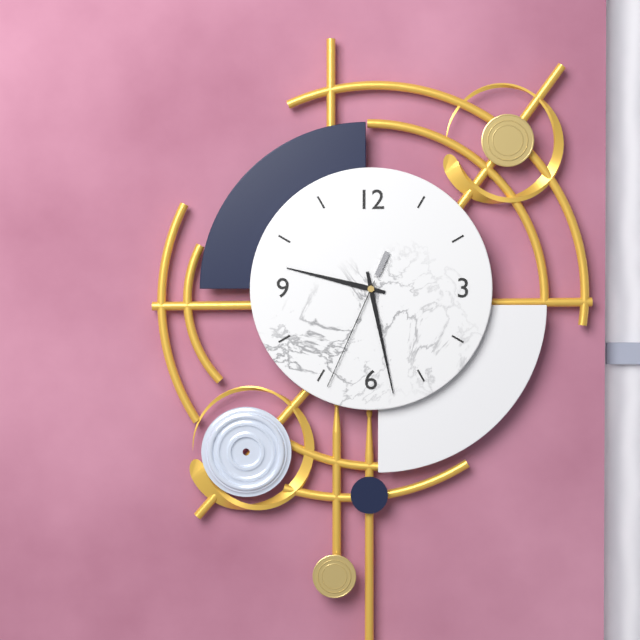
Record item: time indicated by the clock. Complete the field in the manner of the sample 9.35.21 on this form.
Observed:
9.28.34
